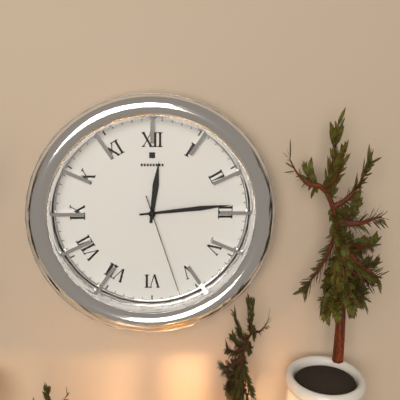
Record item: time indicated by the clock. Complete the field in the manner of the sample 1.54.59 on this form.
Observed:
12.14.27
